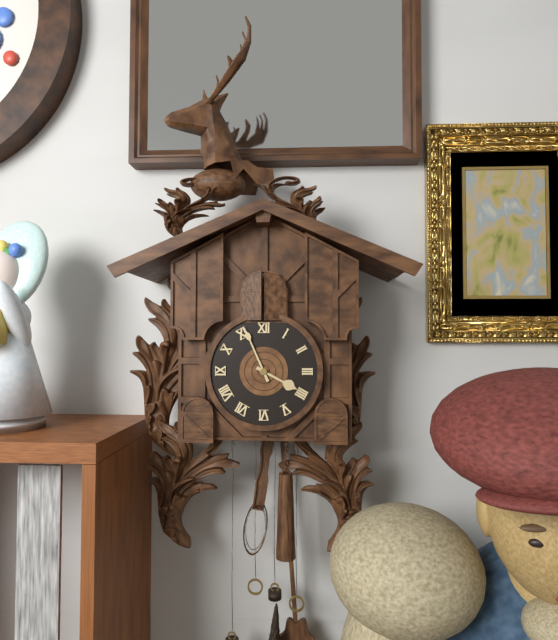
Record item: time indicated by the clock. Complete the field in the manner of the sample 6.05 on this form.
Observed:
3.56
